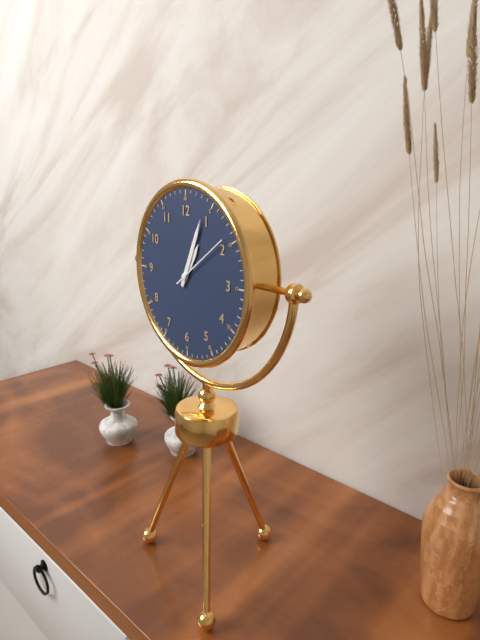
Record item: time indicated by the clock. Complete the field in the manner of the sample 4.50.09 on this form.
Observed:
1.04.09
